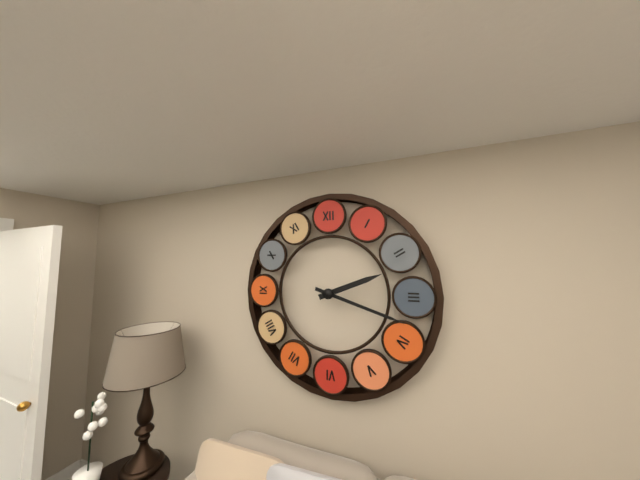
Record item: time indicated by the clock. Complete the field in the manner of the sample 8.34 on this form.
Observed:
2.18
